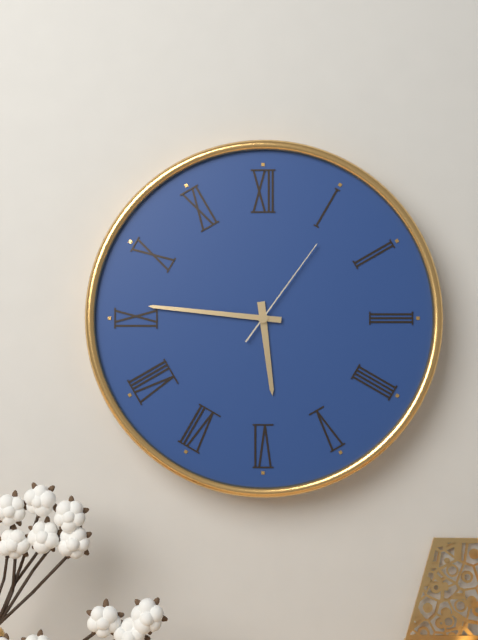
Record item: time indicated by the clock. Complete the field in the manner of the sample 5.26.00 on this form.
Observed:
5.46.06
